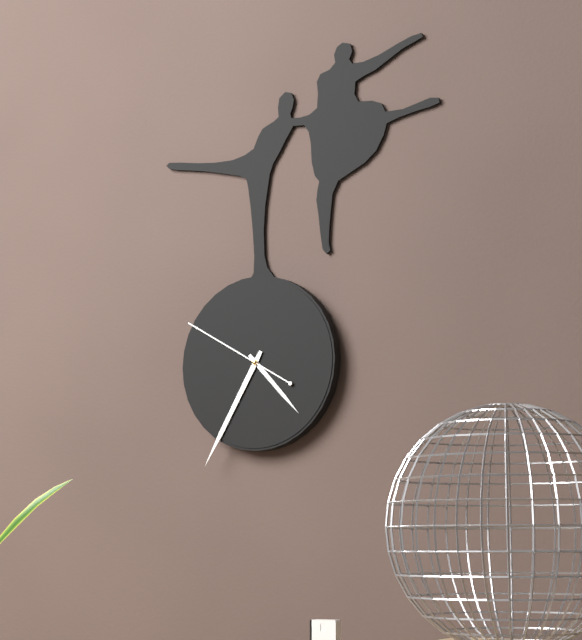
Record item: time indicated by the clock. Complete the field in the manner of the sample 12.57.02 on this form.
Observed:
4.35.50
